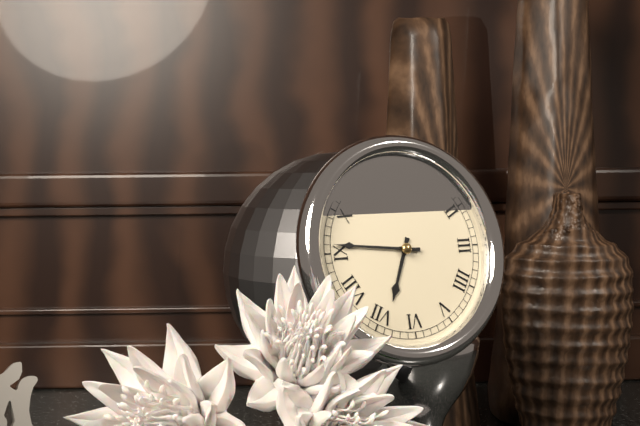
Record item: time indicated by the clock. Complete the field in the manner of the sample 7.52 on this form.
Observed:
6.46
